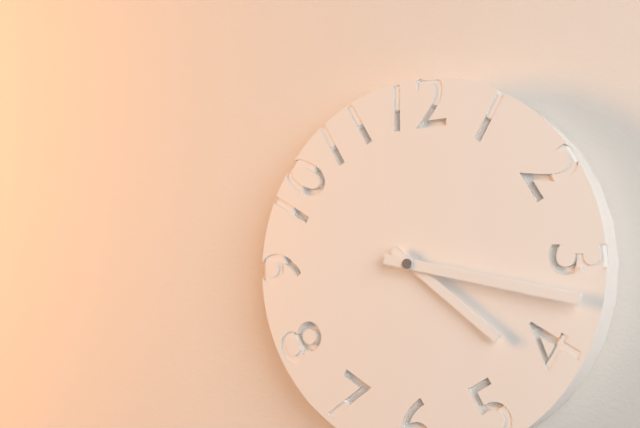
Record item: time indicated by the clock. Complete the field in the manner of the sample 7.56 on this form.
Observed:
4.17
